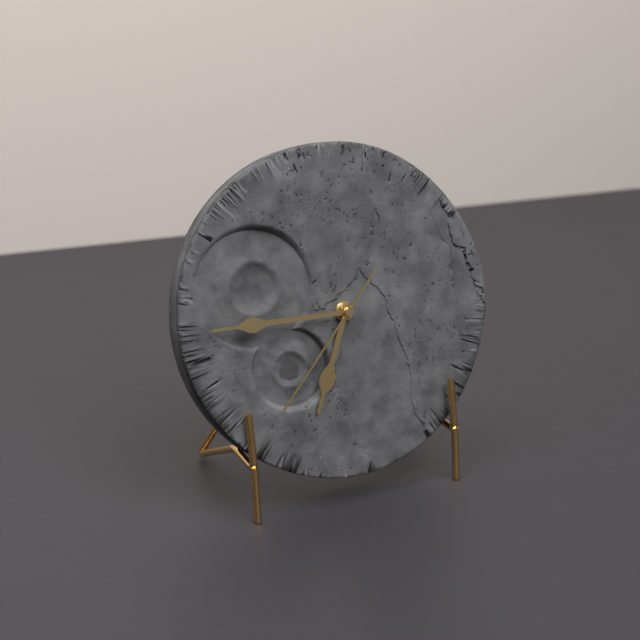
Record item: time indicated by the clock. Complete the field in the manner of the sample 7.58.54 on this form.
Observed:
6.45.37
